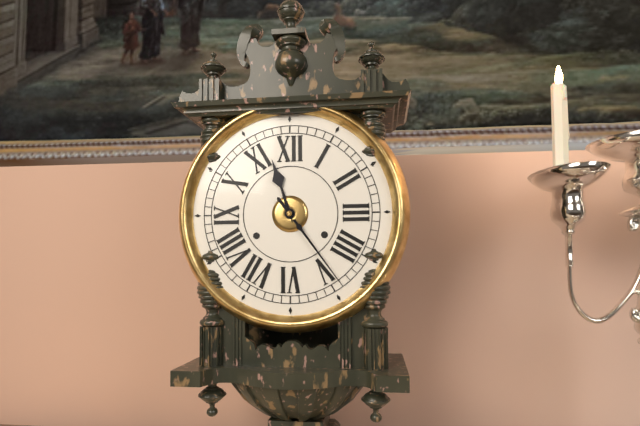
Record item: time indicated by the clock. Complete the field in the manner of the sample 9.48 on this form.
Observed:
11.24
